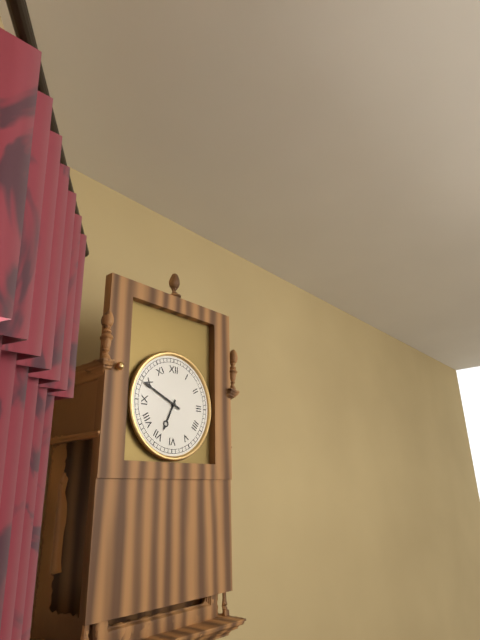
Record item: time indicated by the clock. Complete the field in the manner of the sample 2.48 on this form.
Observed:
6.49
